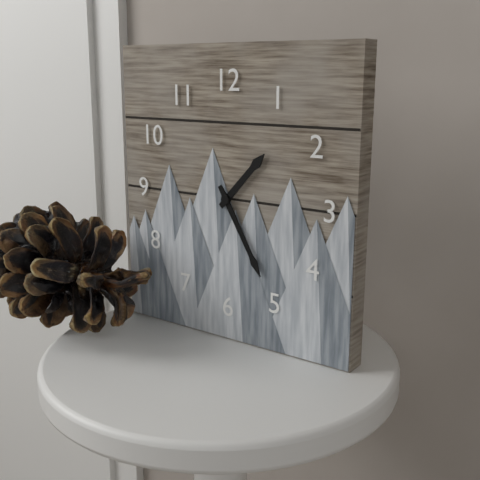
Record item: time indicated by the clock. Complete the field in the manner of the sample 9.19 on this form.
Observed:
1.25
